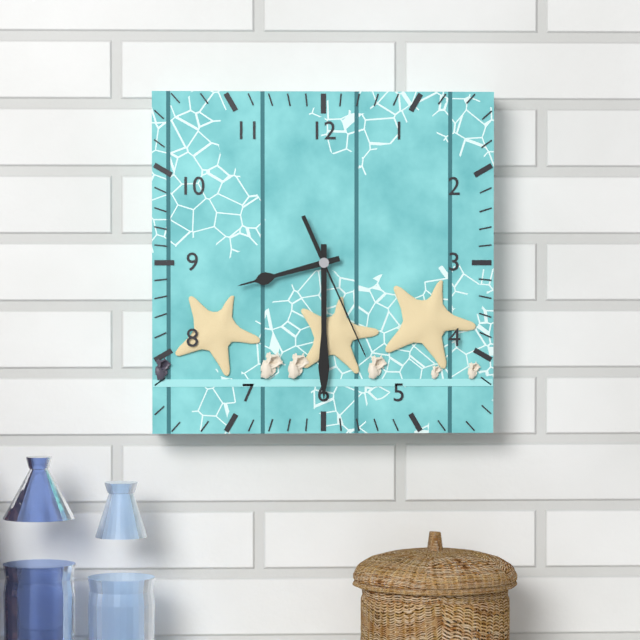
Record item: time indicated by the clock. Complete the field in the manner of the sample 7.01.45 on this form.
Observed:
8.30.26
